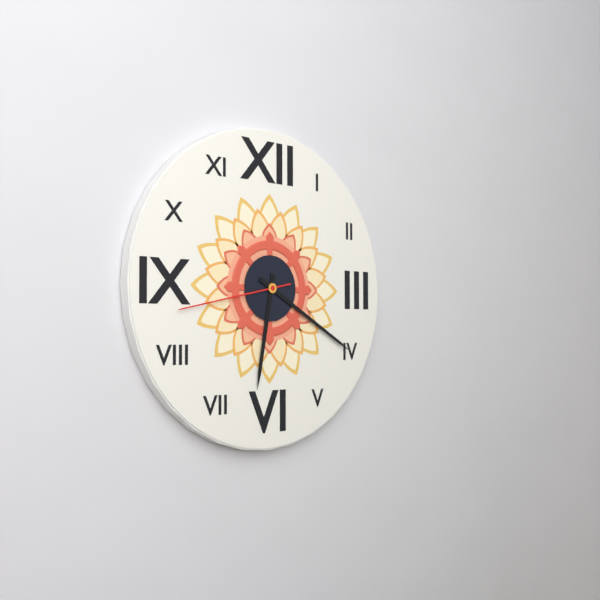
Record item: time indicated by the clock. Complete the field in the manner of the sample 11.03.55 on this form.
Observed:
6.20.43
